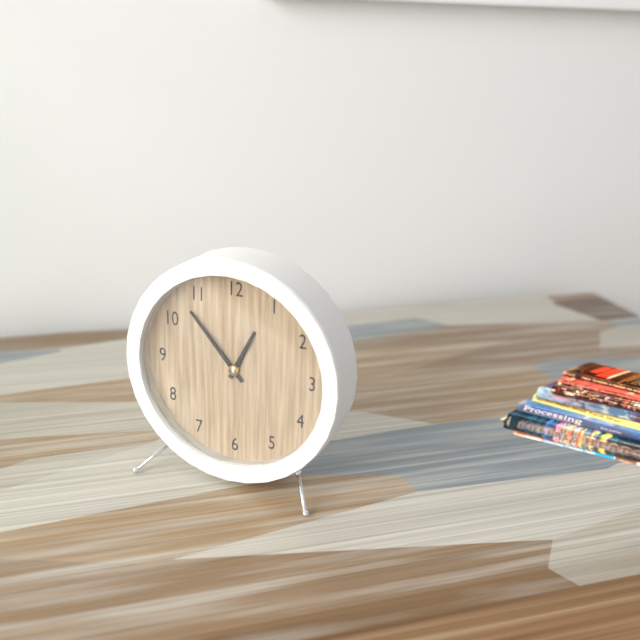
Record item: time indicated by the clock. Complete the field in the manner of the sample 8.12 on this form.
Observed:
12.53
